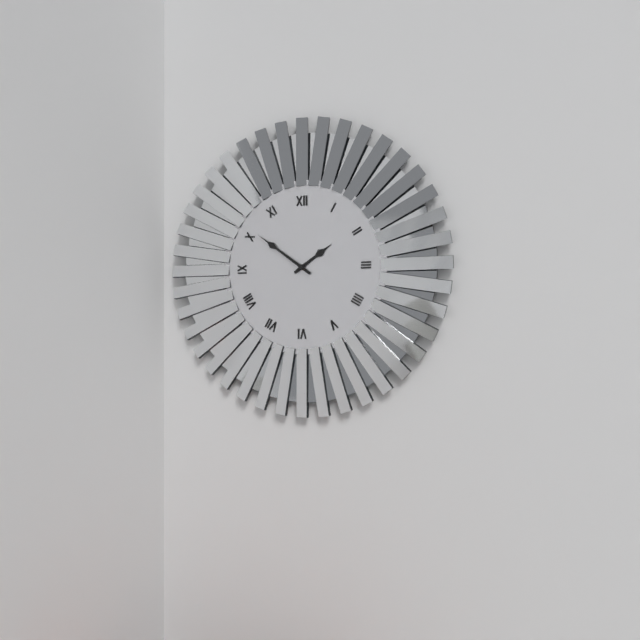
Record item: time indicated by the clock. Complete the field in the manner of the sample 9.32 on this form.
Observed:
1.51
